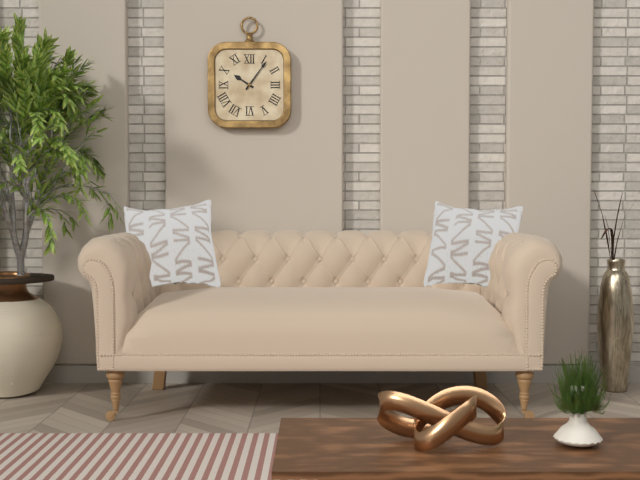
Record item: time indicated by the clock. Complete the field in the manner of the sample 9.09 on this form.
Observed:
10.06
